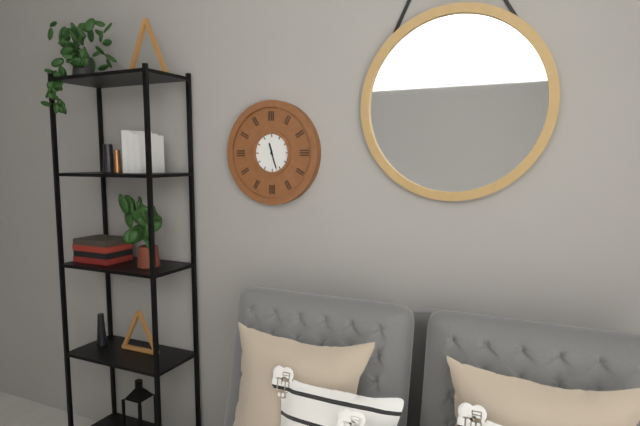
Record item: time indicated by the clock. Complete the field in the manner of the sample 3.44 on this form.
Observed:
11.27
